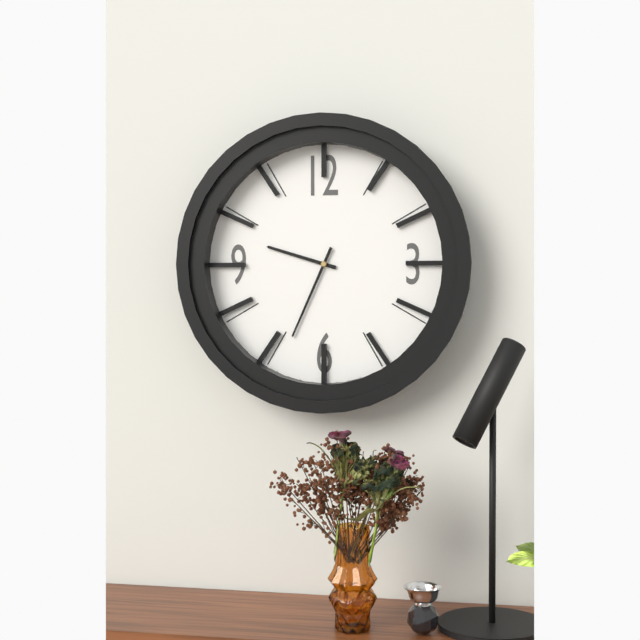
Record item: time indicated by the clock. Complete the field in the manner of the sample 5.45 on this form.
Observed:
9.34
